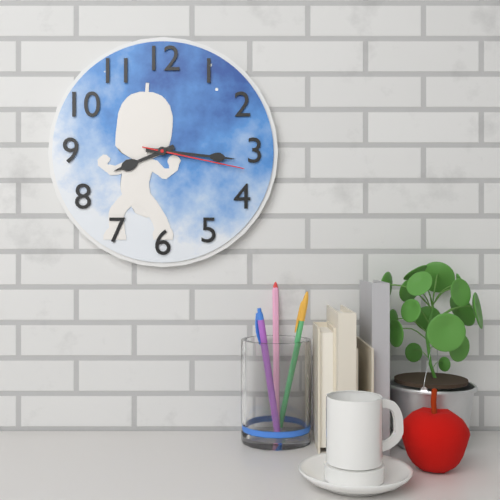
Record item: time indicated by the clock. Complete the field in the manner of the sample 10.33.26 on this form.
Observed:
8.16.17
